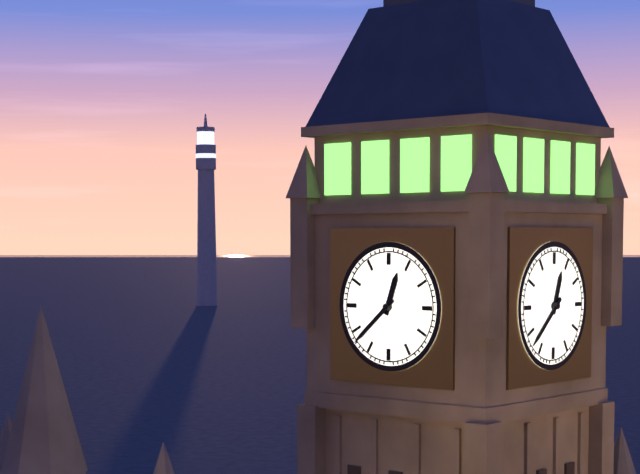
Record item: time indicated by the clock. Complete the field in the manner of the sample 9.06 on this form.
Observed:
12.38
